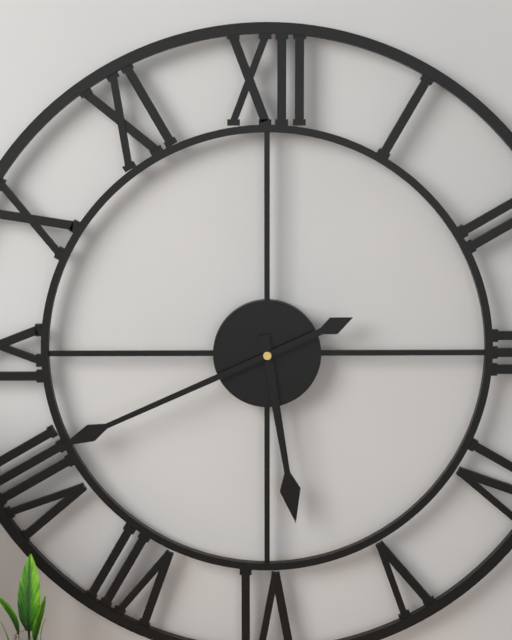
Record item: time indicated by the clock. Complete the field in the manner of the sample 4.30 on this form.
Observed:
5.41
